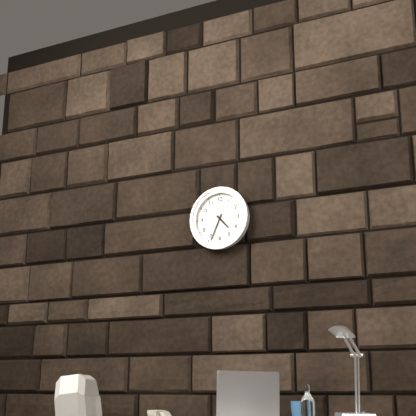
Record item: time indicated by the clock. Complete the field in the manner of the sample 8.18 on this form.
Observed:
4.34
